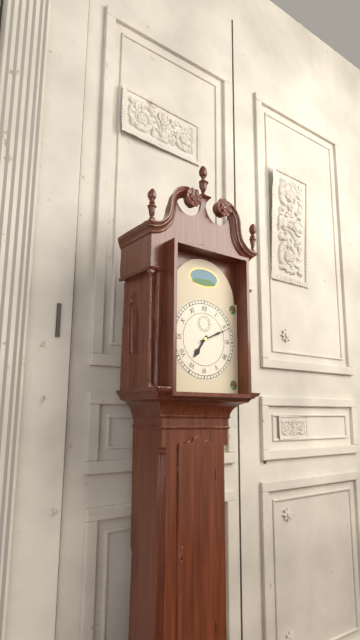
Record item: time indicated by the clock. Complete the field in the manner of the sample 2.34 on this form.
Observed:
7.11
